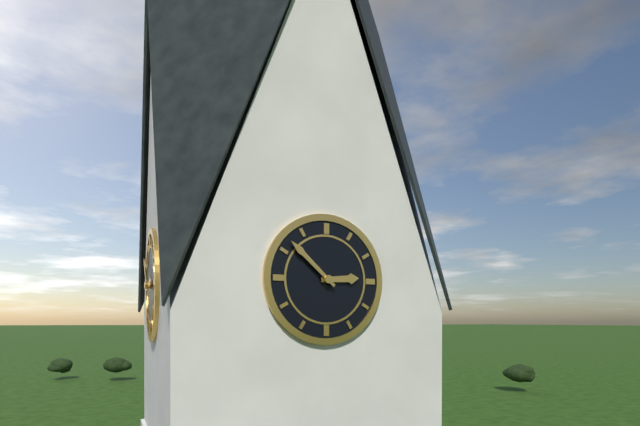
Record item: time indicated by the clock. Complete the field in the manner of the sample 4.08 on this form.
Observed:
2.52
